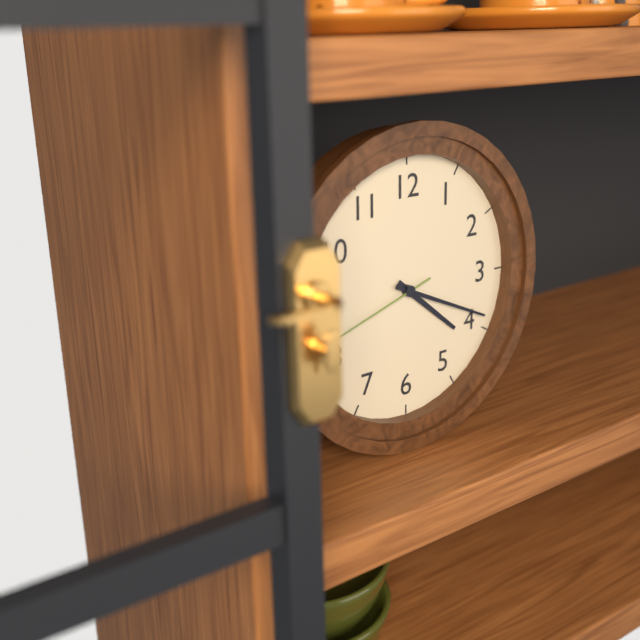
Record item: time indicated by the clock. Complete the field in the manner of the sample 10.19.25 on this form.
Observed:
4.19.42
